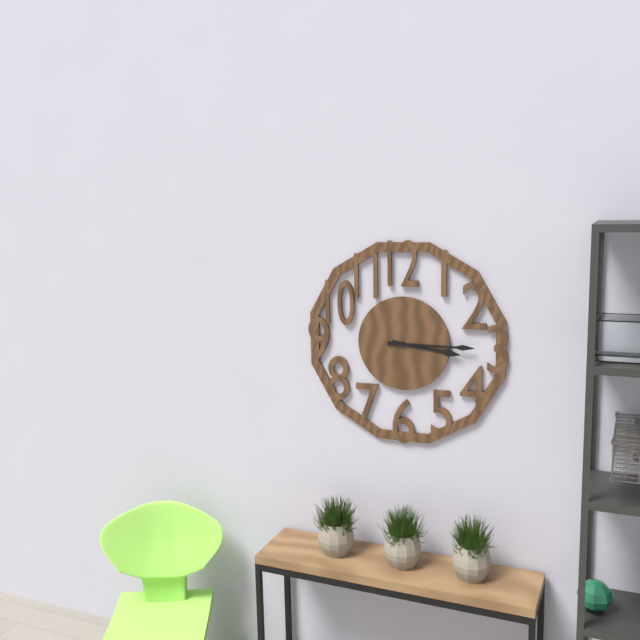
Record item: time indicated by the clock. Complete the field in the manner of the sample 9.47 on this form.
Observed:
3.15
